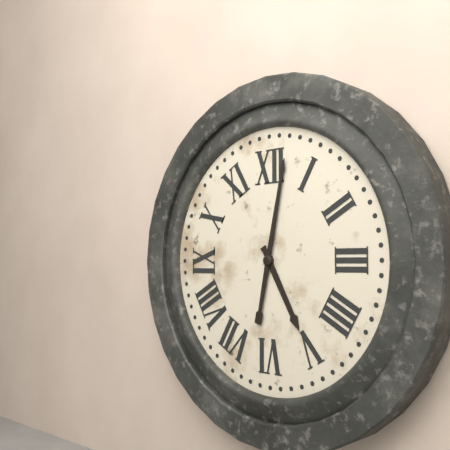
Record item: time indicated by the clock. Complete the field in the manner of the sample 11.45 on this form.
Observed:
5.02
